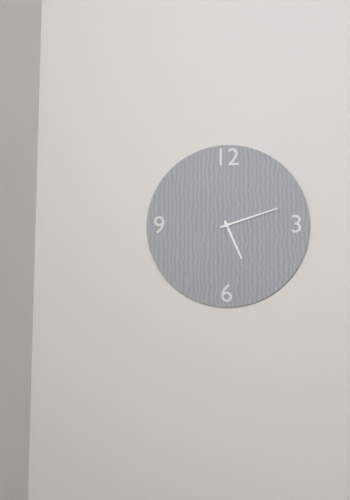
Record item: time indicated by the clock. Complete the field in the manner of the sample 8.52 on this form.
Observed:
5.12
